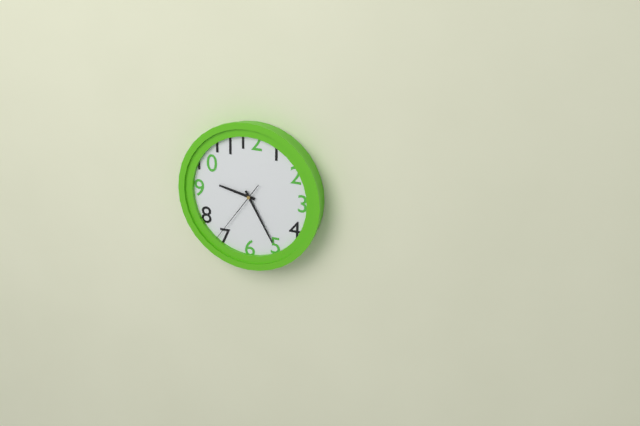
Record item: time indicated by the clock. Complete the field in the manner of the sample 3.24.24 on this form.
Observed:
9.25.36
